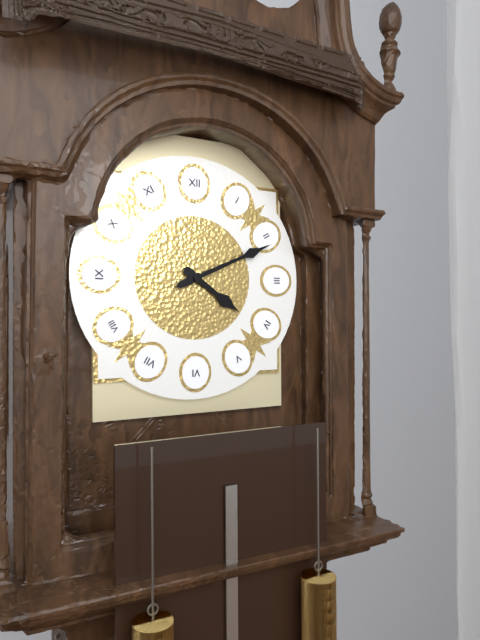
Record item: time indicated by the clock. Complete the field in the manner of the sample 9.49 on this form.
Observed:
4.11
